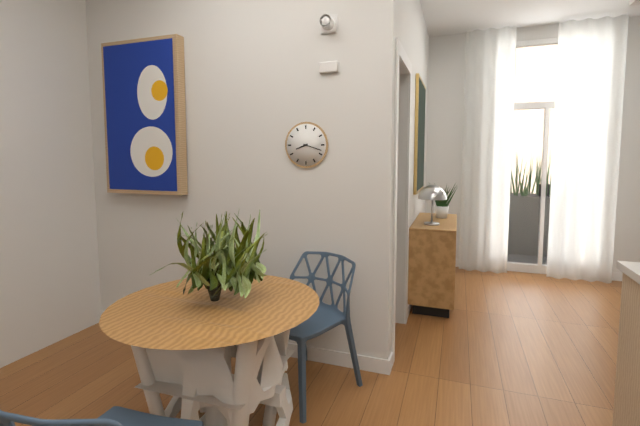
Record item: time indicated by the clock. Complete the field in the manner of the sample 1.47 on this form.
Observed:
8.18
